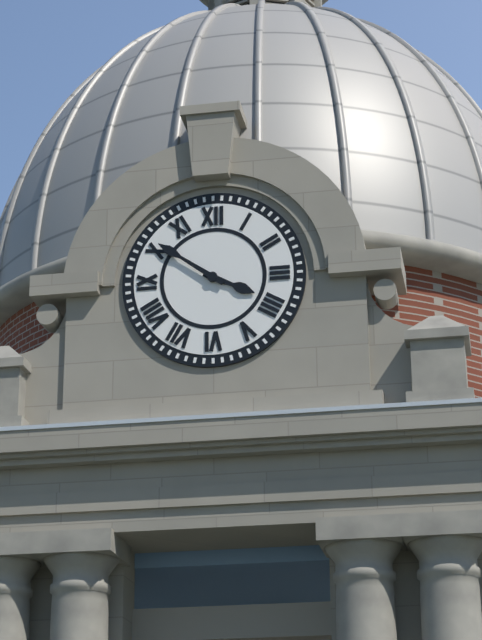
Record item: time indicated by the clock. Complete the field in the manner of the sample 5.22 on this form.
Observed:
3.51
